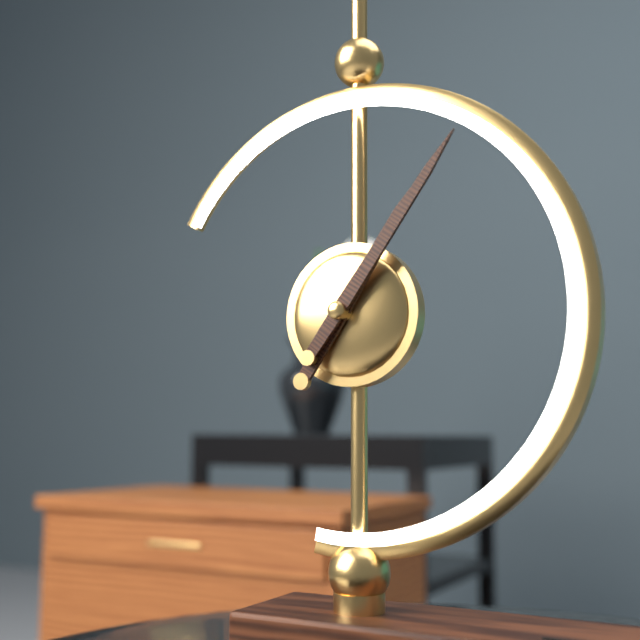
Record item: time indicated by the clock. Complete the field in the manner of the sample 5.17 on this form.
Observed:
1.06
